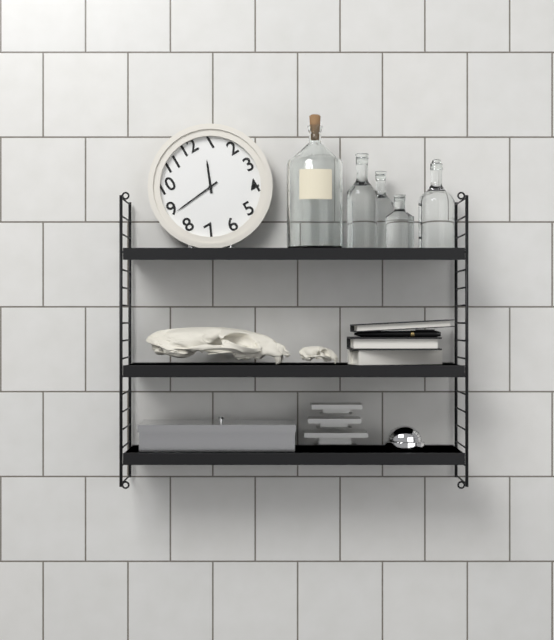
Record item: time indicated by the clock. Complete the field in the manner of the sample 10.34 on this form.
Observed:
12.44
